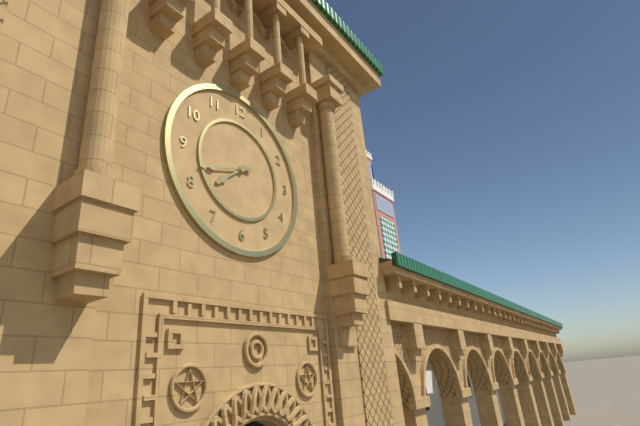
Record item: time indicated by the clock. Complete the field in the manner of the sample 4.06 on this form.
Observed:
7.42
